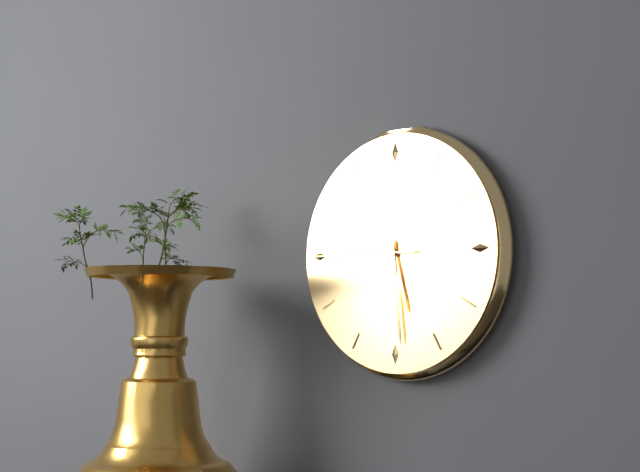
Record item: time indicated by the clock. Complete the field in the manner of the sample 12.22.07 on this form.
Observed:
5.29.45
